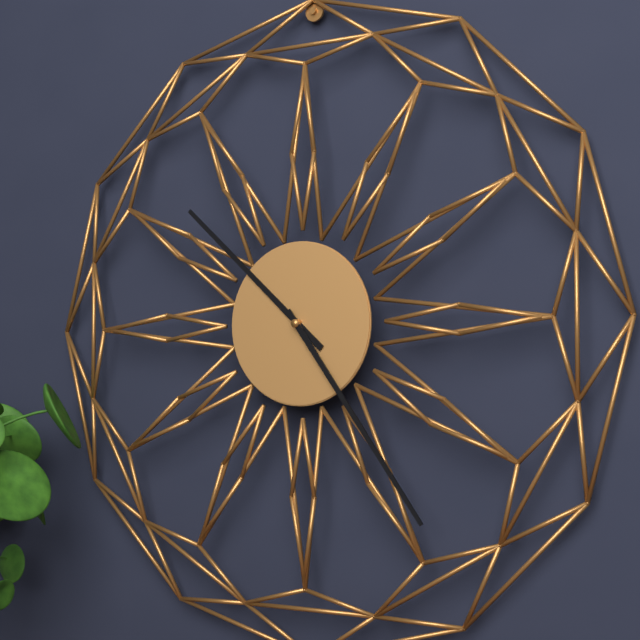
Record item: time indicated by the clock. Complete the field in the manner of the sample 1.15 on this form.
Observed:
10.24
